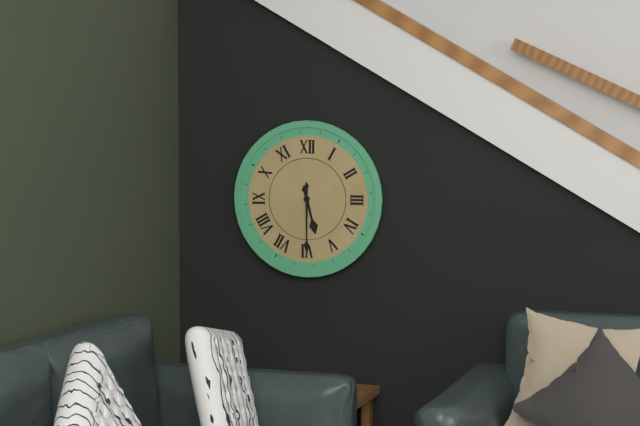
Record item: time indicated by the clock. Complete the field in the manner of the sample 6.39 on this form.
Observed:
5.30
